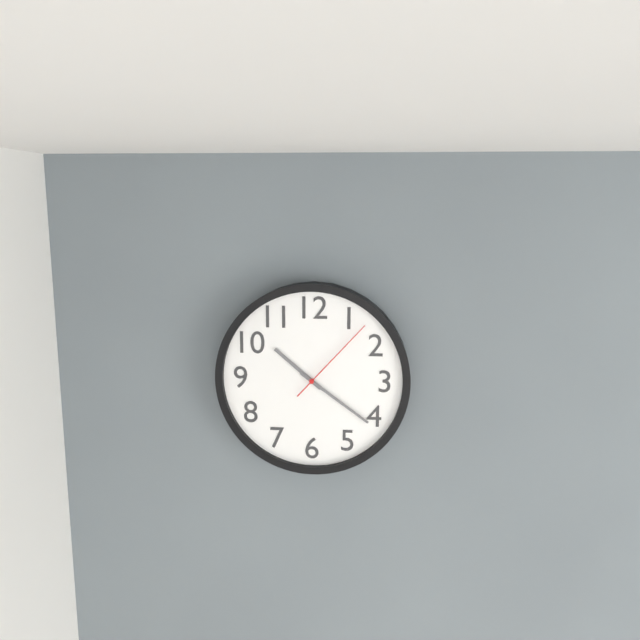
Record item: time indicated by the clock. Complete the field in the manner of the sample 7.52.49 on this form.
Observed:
10.21.07
